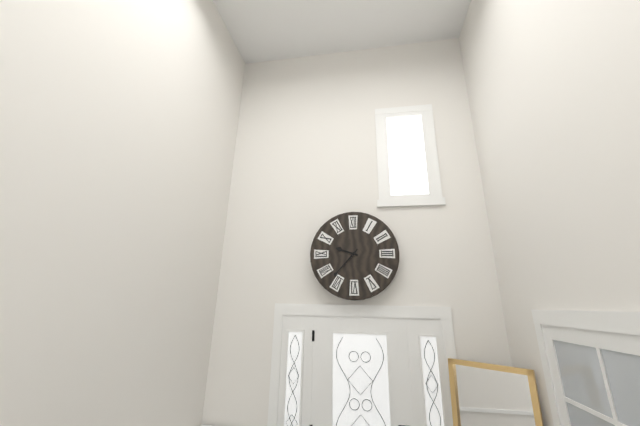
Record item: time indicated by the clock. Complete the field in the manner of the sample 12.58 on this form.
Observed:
9.37
